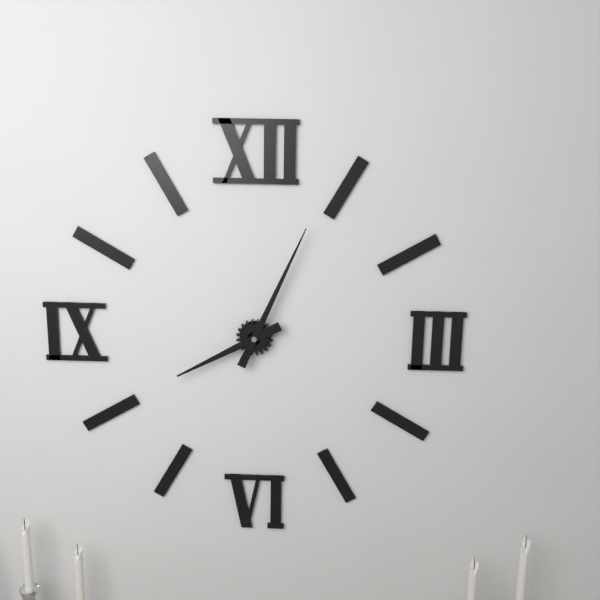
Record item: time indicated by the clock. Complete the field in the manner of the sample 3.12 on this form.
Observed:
8.04
